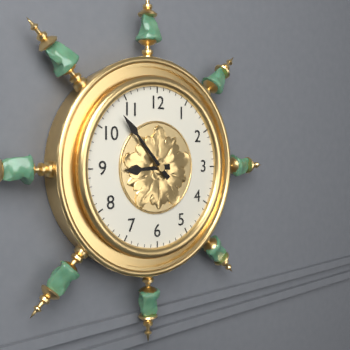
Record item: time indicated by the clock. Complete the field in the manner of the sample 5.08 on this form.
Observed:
8.53
